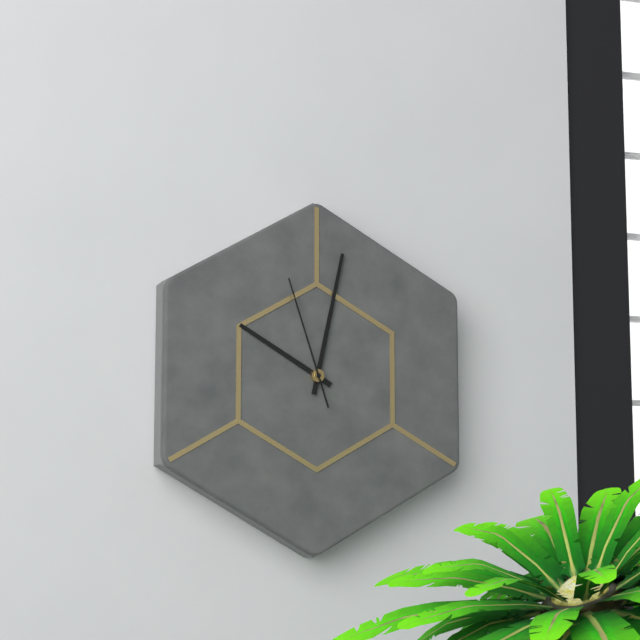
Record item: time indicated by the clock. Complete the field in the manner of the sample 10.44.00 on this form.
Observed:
10.02.57
